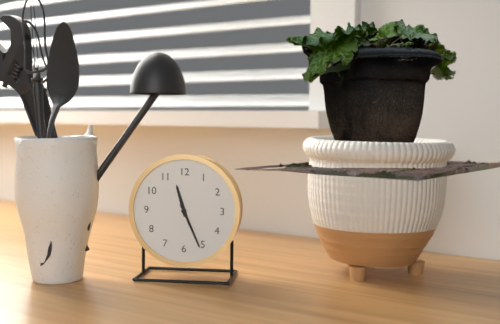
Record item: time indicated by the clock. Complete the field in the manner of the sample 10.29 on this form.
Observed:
11.26
